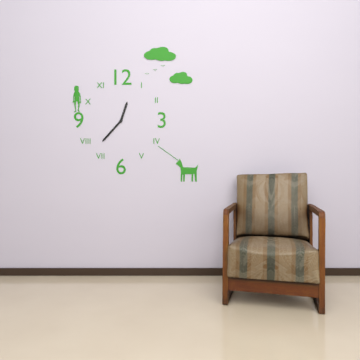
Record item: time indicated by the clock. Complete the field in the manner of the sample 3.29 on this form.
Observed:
12.37
